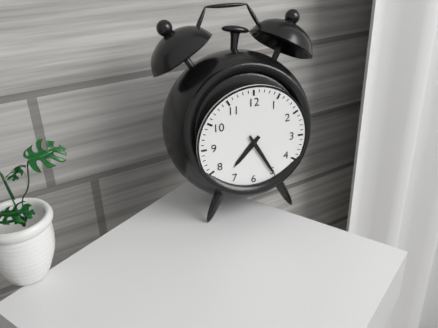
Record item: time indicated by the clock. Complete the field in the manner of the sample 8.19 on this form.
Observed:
7.25
